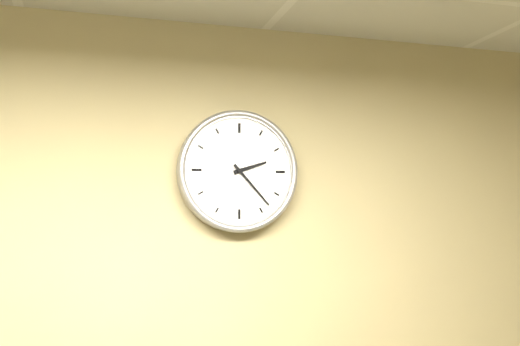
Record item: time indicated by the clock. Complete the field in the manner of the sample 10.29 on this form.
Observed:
2.23
